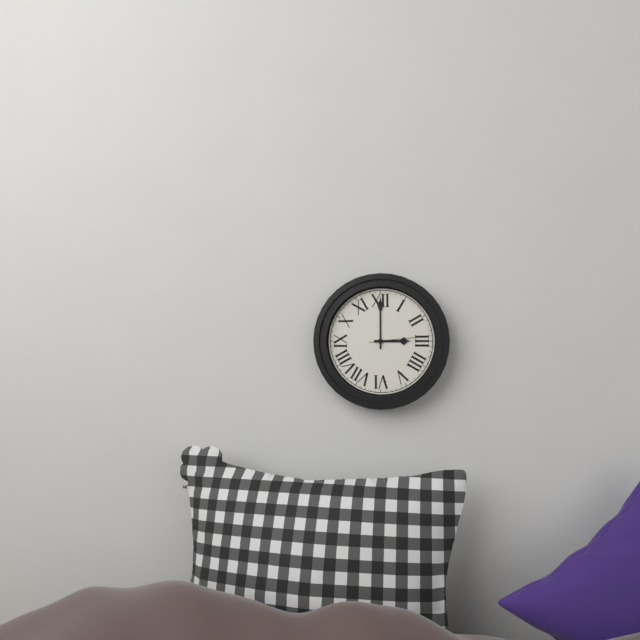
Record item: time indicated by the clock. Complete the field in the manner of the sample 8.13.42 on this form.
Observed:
3.00.14
